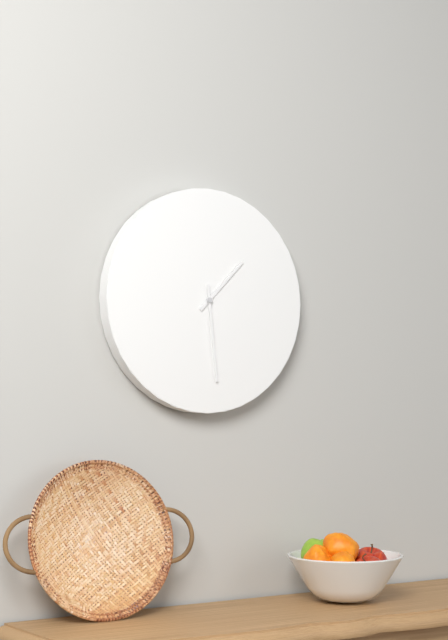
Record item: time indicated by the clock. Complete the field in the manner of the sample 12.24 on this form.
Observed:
1.29
